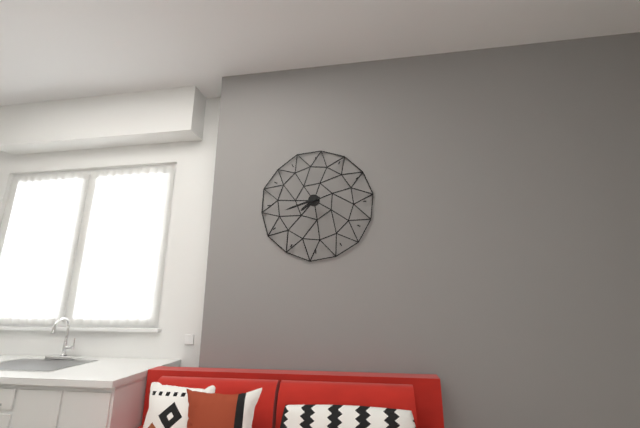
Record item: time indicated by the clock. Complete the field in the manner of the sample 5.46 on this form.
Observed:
7.42
